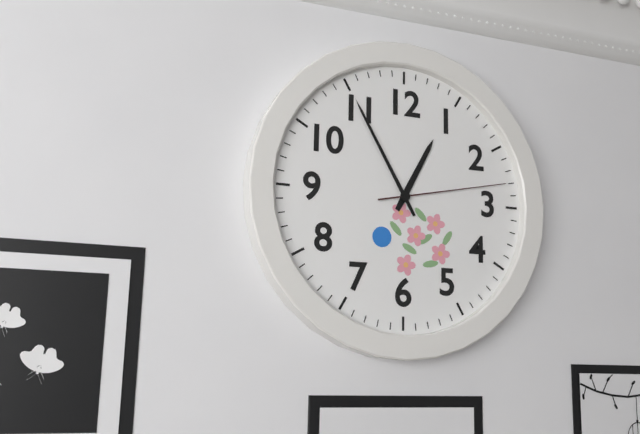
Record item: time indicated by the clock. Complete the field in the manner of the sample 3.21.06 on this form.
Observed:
12.55.13
